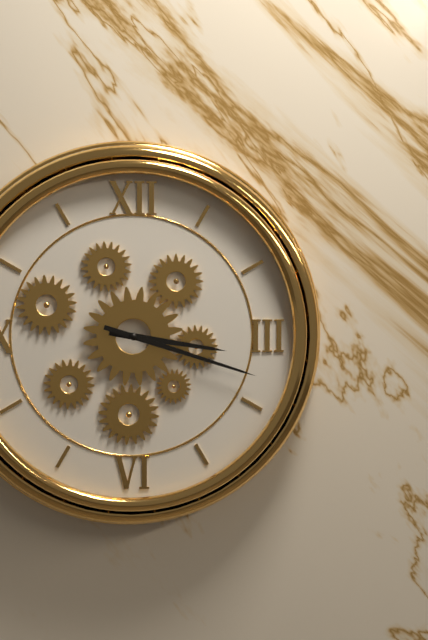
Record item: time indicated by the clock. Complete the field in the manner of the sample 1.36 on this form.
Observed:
3.18
